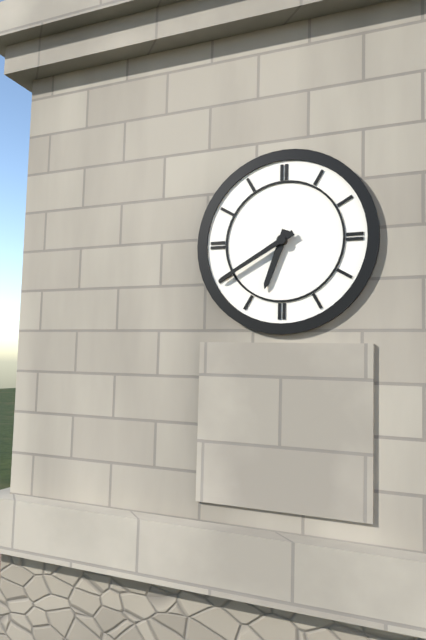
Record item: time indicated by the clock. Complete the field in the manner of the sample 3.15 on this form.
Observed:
6.40
